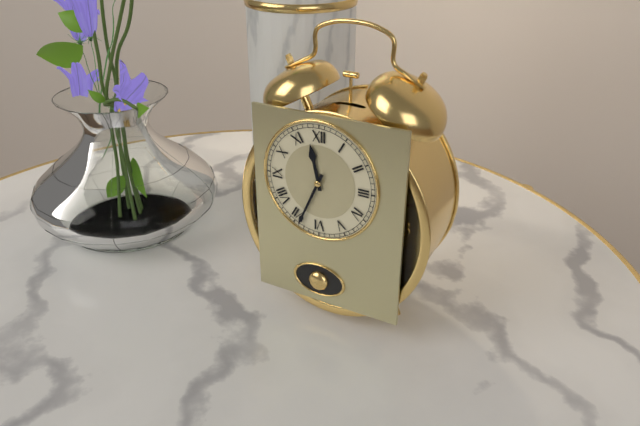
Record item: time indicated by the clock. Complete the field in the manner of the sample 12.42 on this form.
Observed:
11.34
